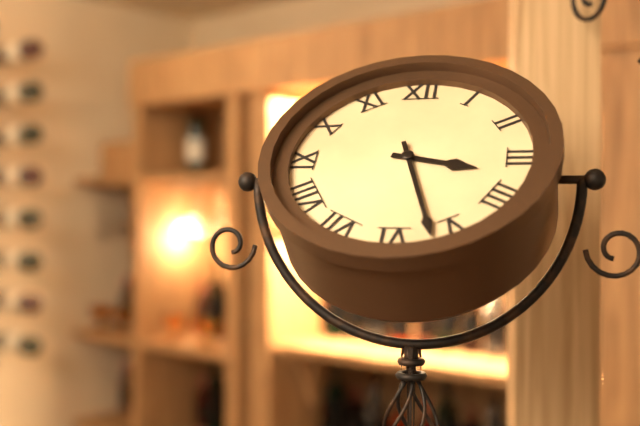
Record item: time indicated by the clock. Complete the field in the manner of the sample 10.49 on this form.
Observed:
3.27
